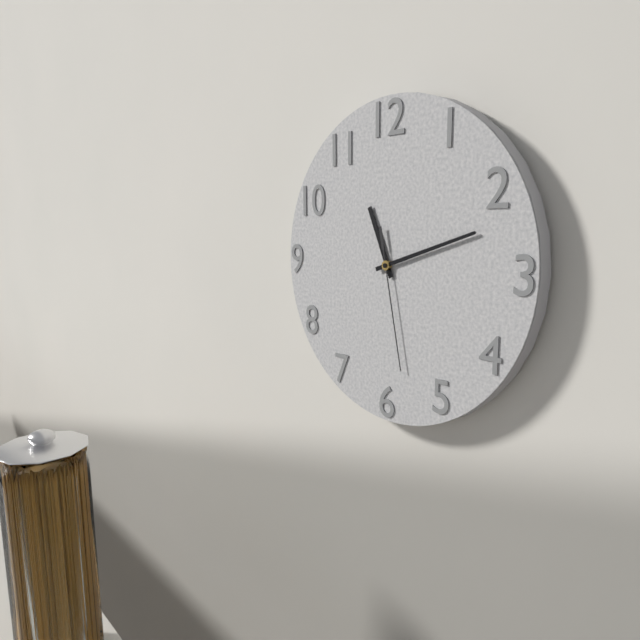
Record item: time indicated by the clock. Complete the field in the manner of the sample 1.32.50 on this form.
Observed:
11.12.28
